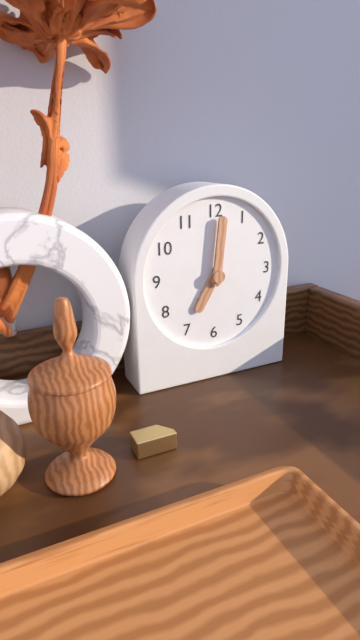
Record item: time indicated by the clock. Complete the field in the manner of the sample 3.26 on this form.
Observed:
7.01
